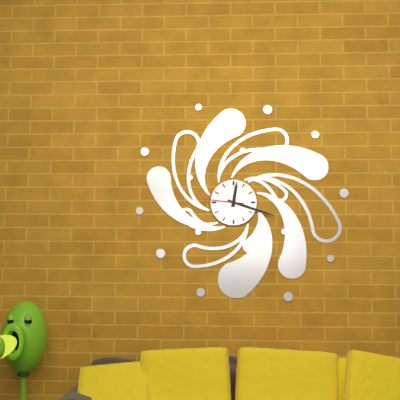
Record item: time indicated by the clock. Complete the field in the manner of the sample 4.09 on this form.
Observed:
12.18
